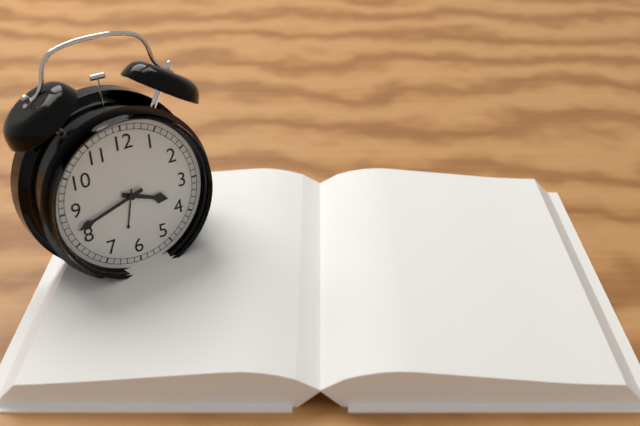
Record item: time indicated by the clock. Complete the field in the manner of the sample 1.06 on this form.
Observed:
3.42
